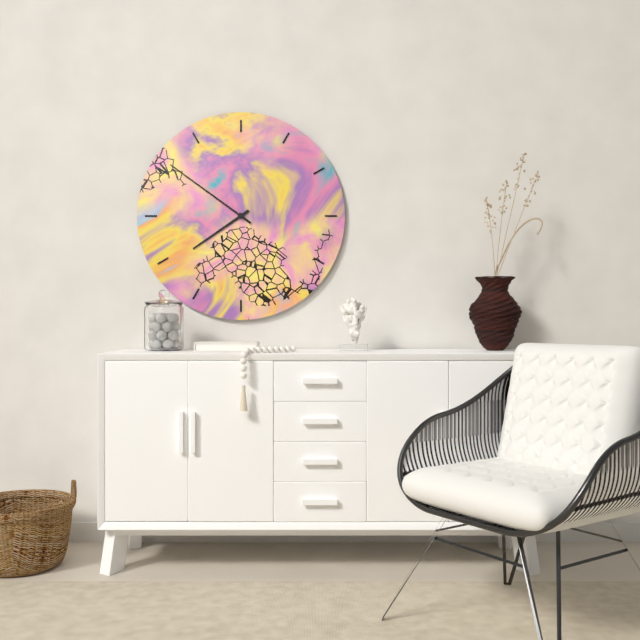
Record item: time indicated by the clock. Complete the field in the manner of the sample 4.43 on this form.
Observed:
7.51
